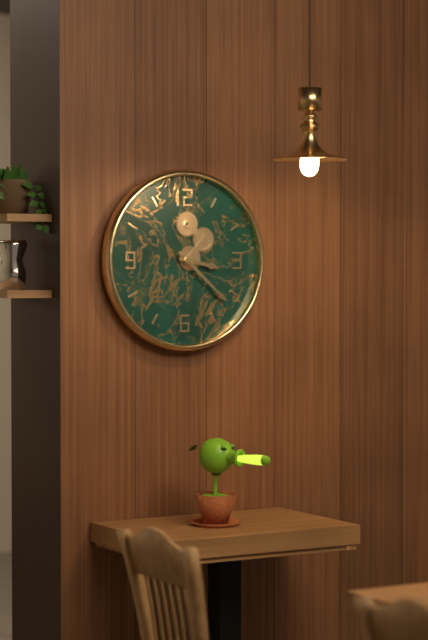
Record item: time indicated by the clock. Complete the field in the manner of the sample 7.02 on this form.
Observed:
3.22
